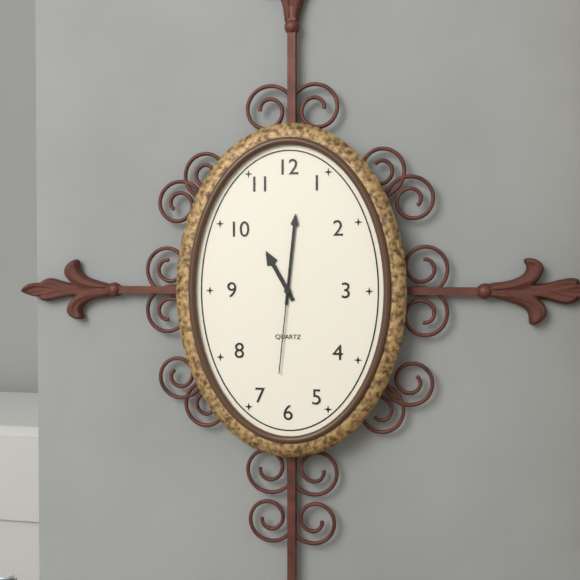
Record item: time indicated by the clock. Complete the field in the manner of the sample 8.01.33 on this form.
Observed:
11.01.31
